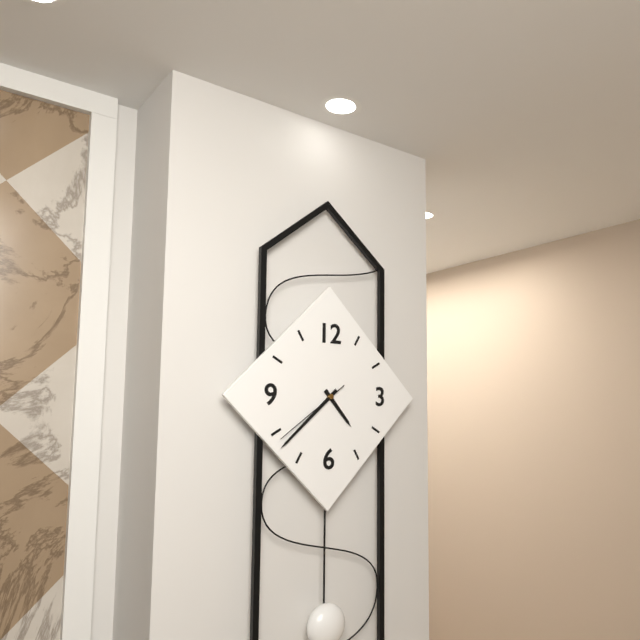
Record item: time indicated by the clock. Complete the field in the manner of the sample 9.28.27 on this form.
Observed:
4.38.39
